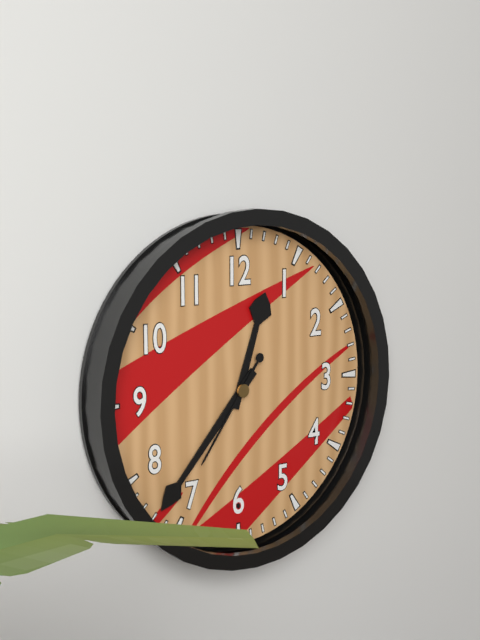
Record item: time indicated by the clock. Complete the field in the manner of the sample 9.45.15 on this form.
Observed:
12.37.36
